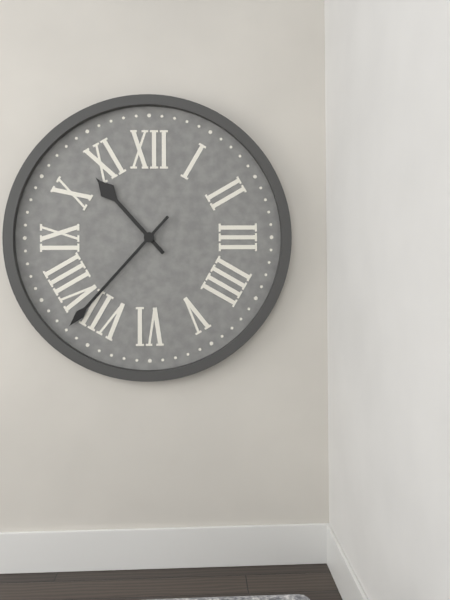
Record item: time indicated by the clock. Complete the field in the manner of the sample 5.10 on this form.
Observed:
10.37
